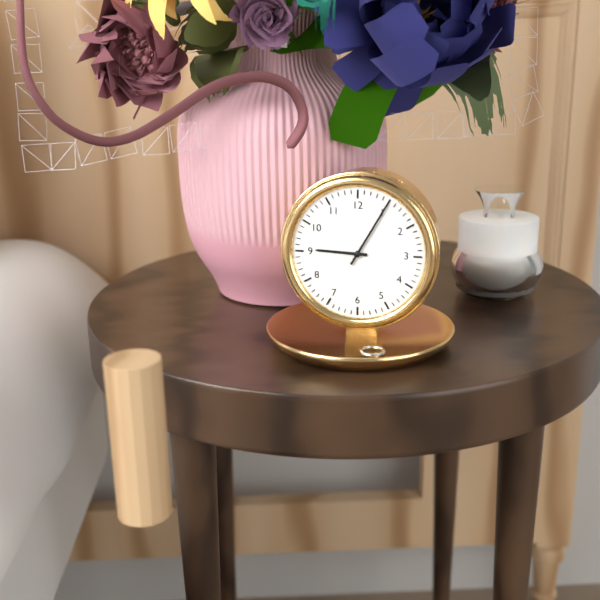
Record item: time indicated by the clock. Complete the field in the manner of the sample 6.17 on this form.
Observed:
9.05
